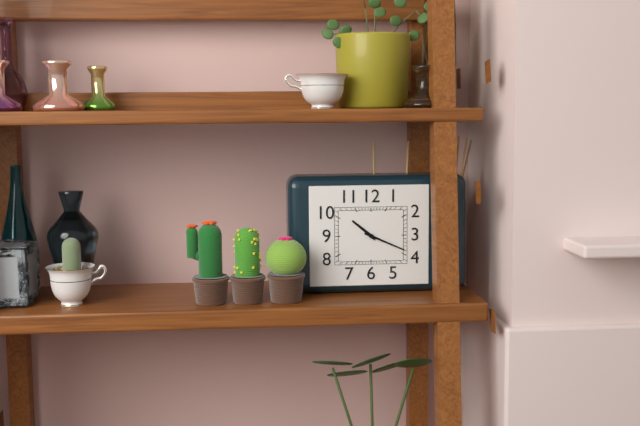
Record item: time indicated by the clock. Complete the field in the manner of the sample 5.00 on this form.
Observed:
10.19
